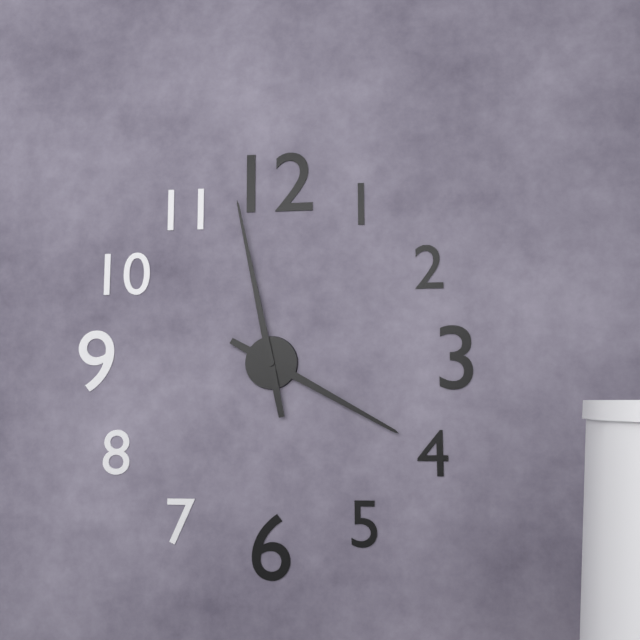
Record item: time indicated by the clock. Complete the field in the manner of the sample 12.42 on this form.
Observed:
3.58
